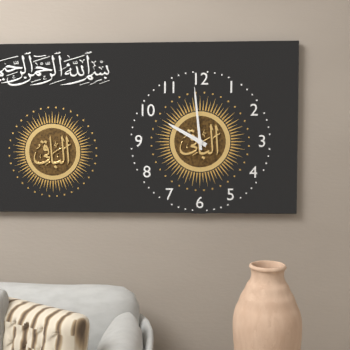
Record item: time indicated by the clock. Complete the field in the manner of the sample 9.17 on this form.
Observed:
9.59
